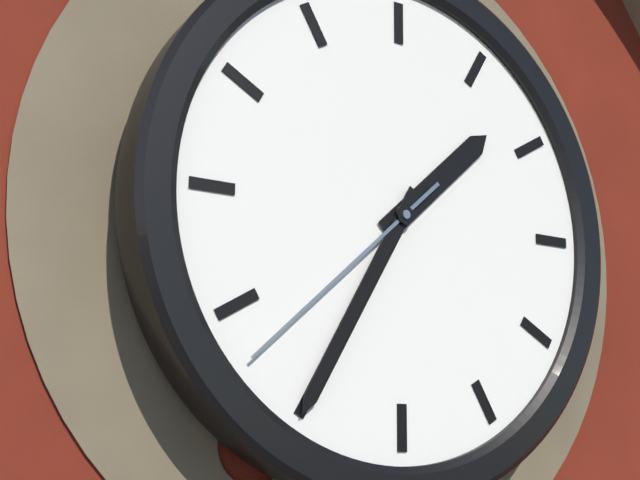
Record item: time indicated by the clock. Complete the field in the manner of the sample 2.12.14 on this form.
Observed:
1.35.38
